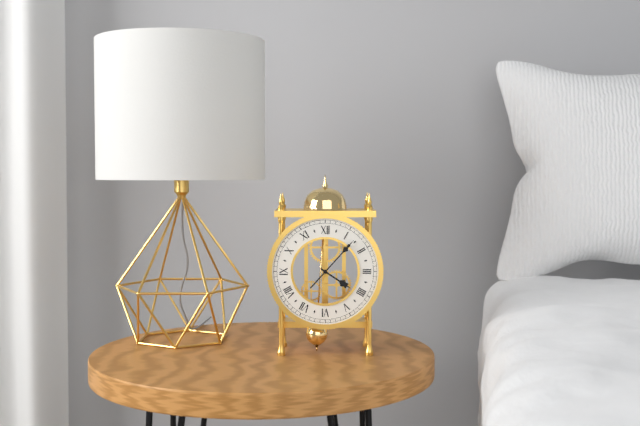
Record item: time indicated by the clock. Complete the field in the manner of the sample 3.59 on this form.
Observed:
4.07
